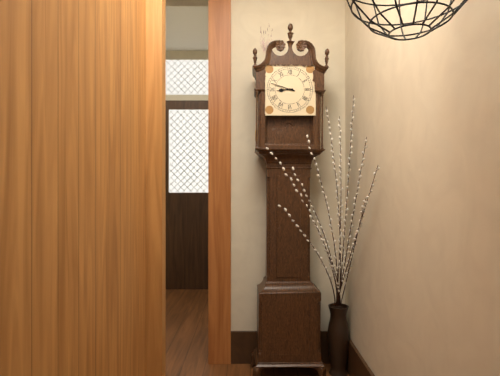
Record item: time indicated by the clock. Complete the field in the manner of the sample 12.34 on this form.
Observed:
8.48
